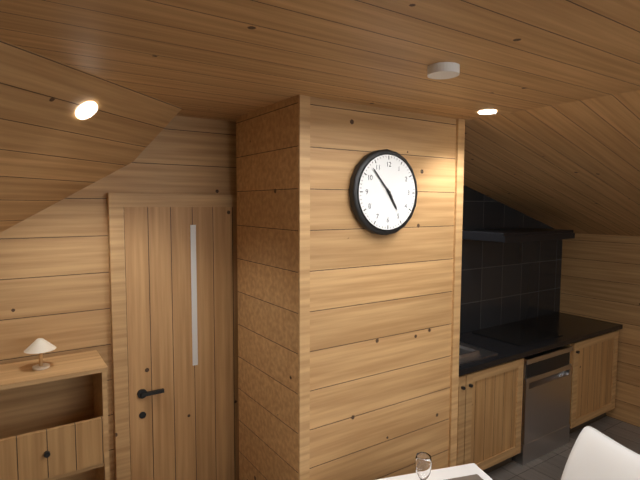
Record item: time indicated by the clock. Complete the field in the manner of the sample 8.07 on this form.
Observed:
4.53
